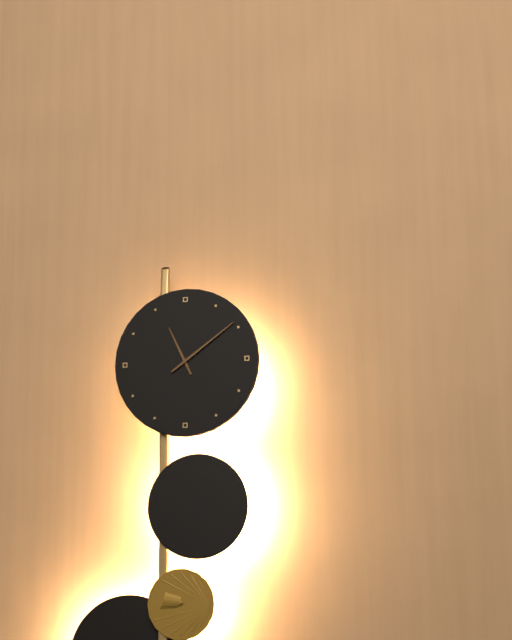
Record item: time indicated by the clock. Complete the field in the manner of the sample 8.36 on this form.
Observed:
11.09
